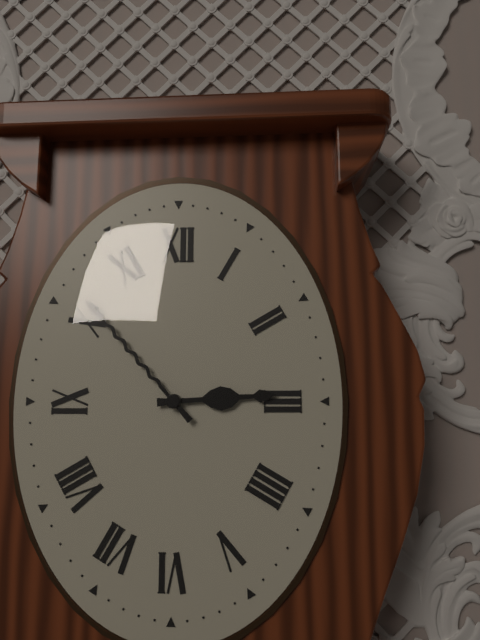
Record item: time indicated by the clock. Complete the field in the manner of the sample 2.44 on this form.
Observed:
2.53
